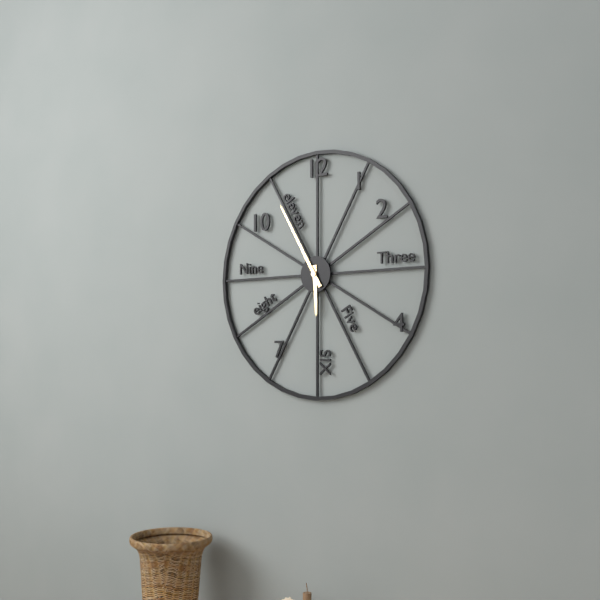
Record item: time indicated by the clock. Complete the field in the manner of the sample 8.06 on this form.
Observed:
5.55
